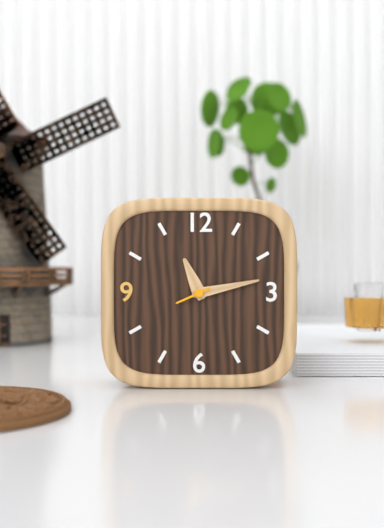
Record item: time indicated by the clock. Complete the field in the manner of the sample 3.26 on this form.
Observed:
11.13
